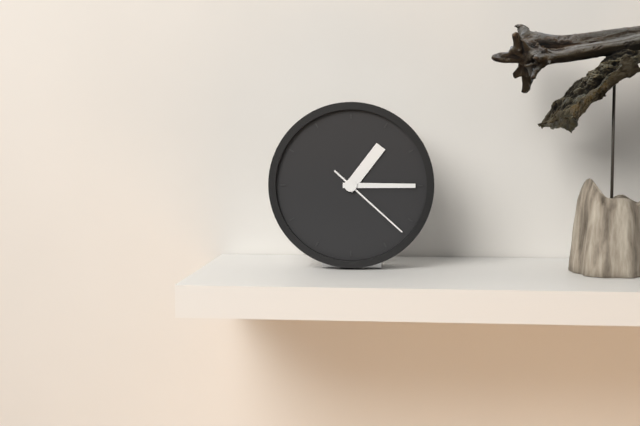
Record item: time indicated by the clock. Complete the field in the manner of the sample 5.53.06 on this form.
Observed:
1.15.22
